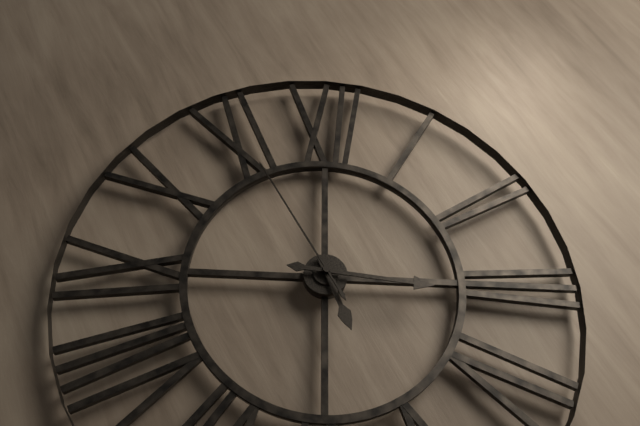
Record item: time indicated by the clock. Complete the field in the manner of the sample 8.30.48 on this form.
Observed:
5.16.55
